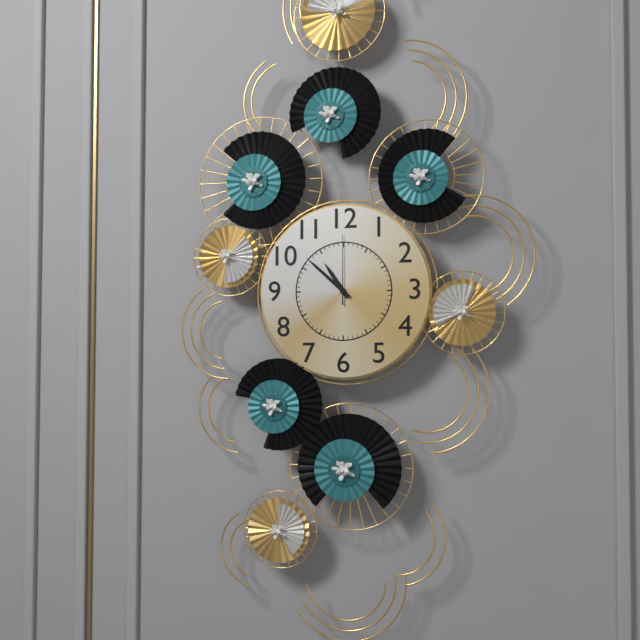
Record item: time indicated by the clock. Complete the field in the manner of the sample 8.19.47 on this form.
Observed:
10.52.00
